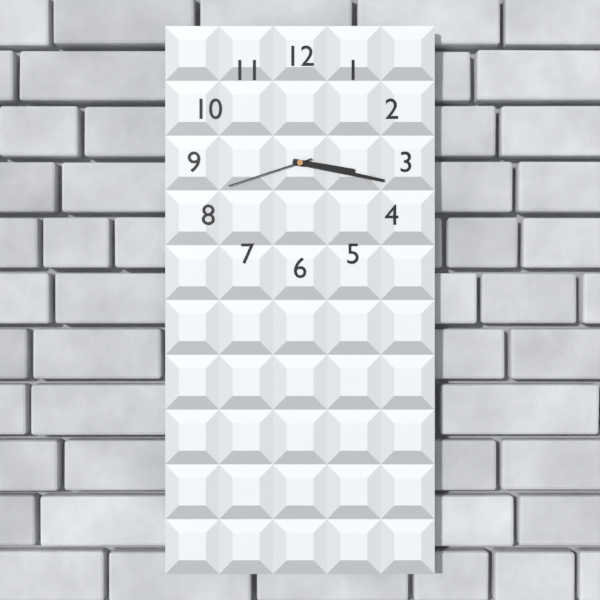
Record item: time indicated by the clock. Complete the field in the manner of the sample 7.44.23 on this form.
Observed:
3.17.42
